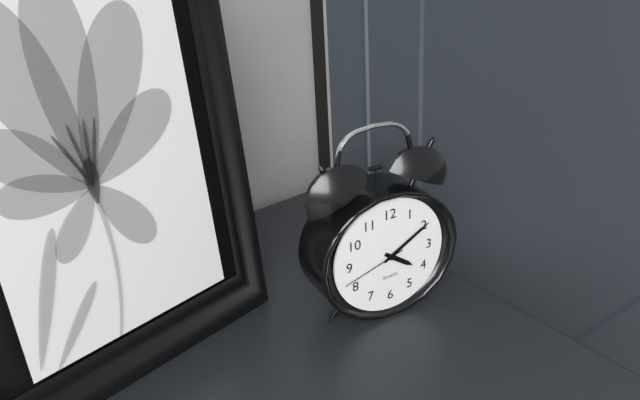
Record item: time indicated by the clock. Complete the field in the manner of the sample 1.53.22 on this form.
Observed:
4.10.42
